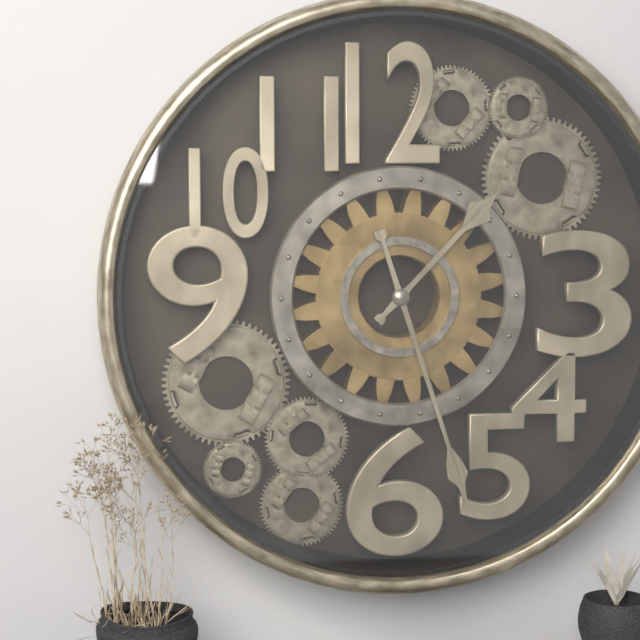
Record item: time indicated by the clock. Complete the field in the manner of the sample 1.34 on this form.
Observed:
1.27
